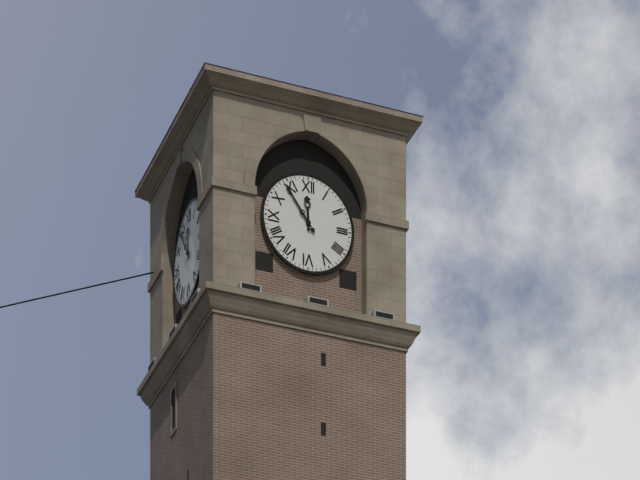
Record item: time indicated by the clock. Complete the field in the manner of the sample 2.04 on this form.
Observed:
11.54
